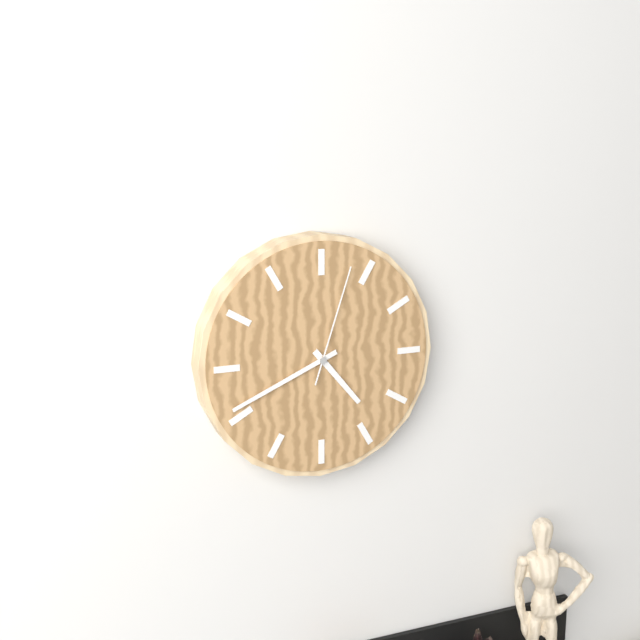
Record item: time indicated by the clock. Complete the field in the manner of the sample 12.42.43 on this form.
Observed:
4.41.03
